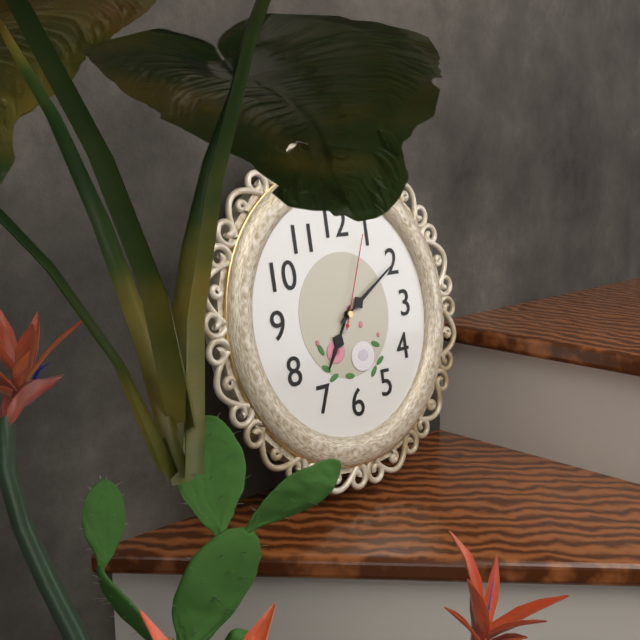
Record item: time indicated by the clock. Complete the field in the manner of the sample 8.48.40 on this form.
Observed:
7.10.04
